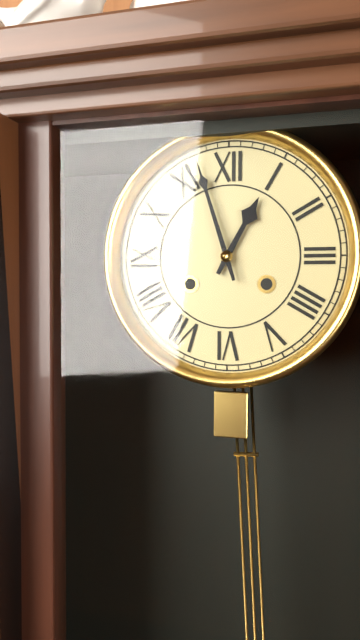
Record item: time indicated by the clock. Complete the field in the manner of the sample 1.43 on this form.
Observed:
12.57
